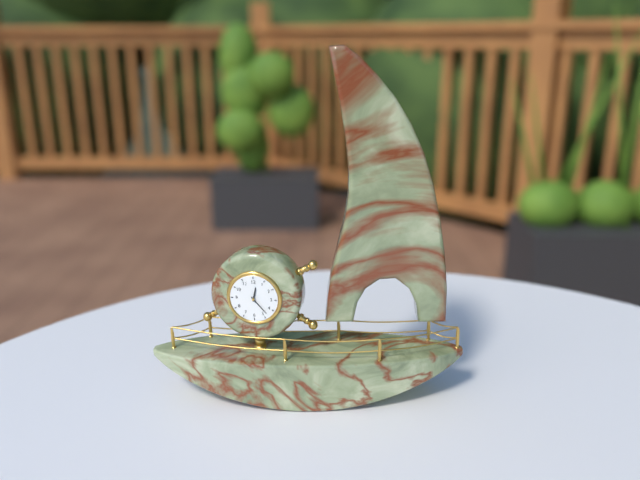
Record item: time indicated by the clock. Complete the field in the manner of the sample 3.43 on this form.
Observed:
12.23
